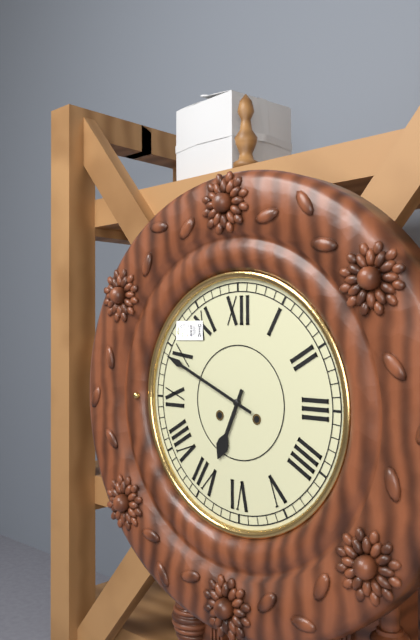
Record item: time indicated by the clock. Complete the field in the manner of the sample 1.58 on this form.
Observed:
6.49
